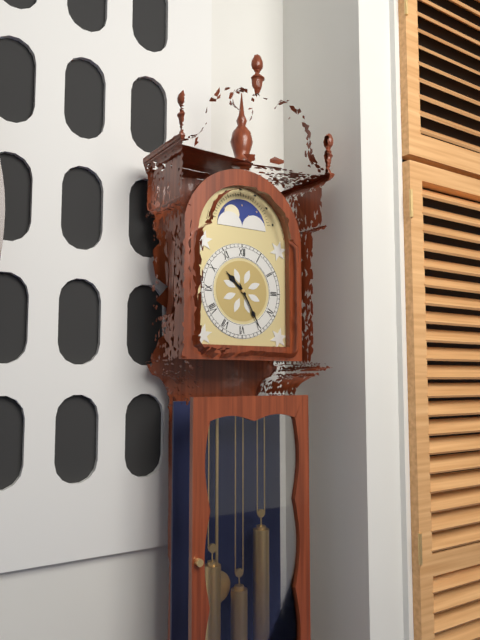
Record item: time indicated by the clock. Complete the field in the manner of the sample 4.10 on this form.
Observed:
10.25
